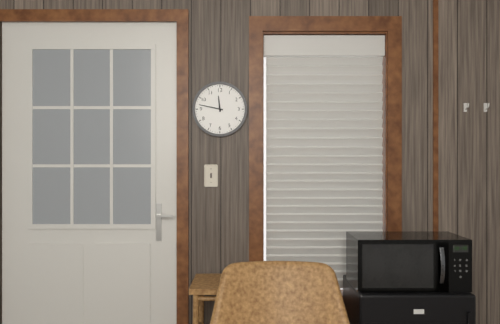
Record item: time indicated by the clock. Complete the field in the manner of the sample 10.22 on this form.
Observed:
11.47
